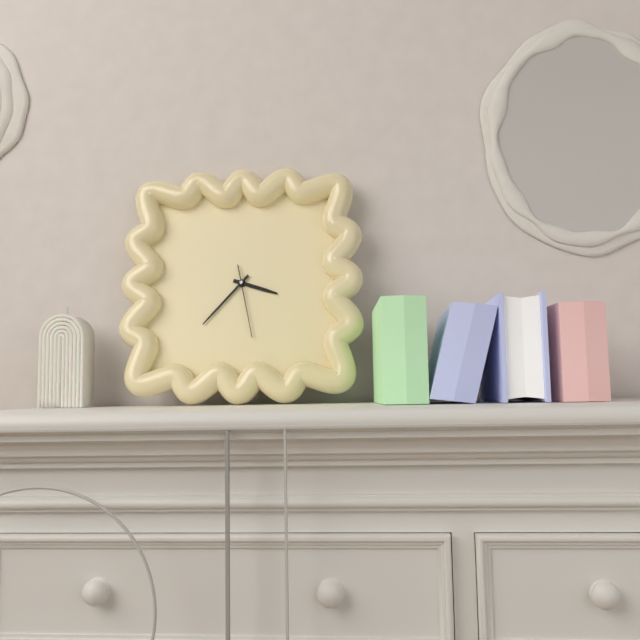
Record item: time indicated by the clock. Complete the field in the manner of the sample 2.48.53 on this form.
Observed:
3.37.28
